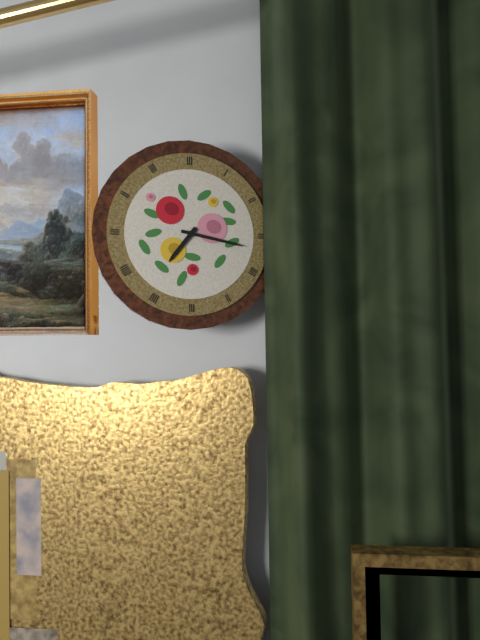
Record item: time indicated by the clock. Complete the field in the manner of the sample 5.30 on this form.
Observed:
7.17
